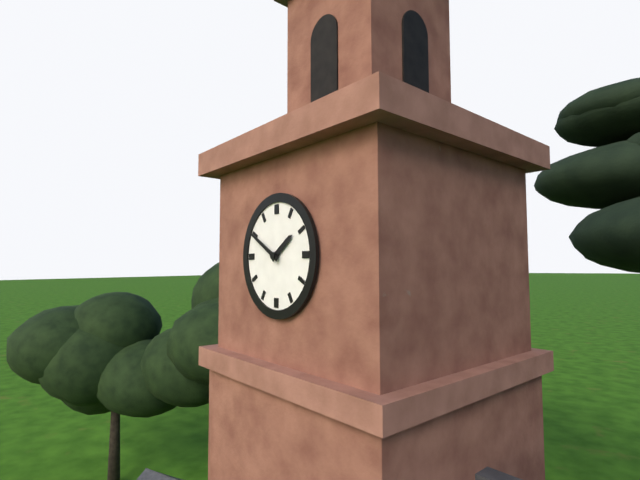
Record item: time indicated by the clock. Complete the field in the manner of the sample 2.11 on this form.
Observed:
1.50
